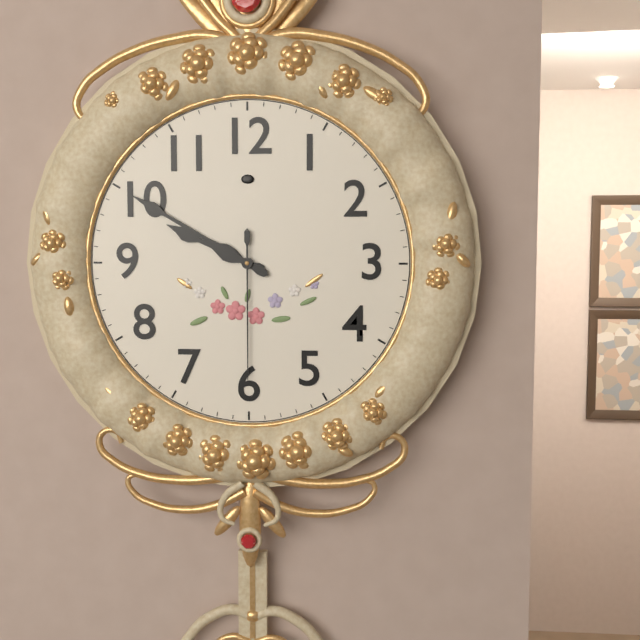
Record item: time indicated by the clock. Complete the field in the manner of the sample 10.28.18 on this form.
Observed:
9.50.30
